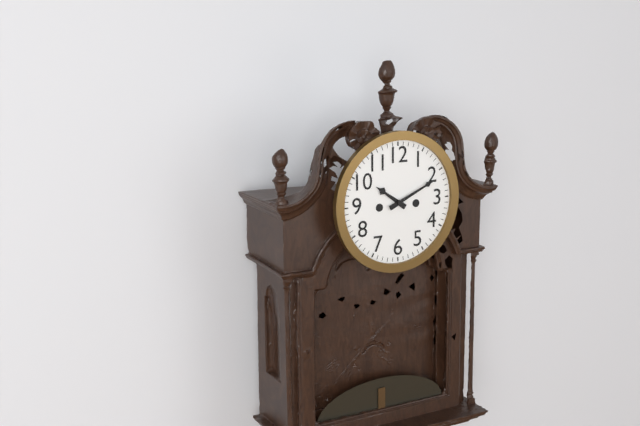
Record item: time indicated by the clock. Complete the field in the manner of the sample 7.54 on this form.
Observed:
10.11
